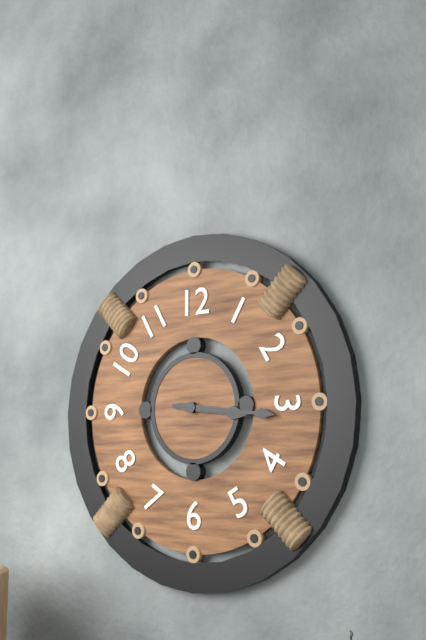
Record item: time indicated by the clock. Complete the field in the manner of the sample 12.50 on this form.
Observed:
3.16
